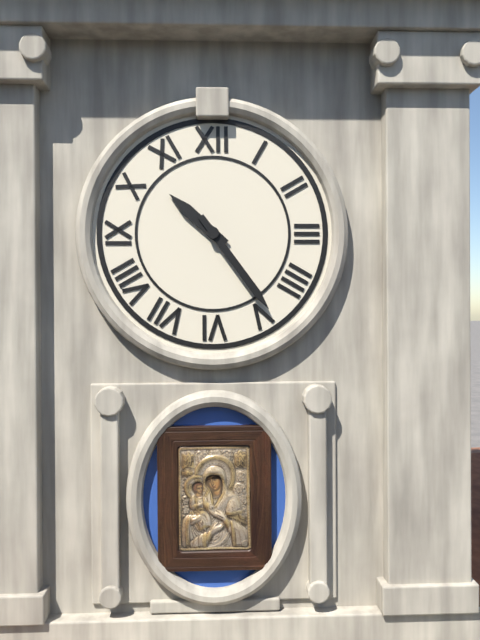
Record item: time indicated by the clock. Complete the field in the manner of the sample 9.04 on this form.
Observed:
10.24
